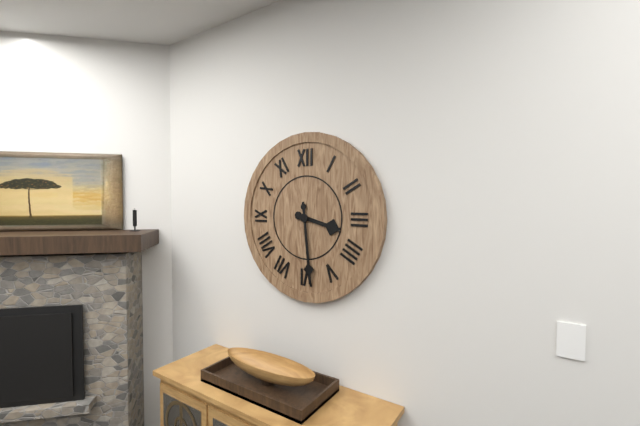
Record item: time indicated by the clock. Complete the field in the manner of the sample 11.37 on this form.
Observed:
3.29
